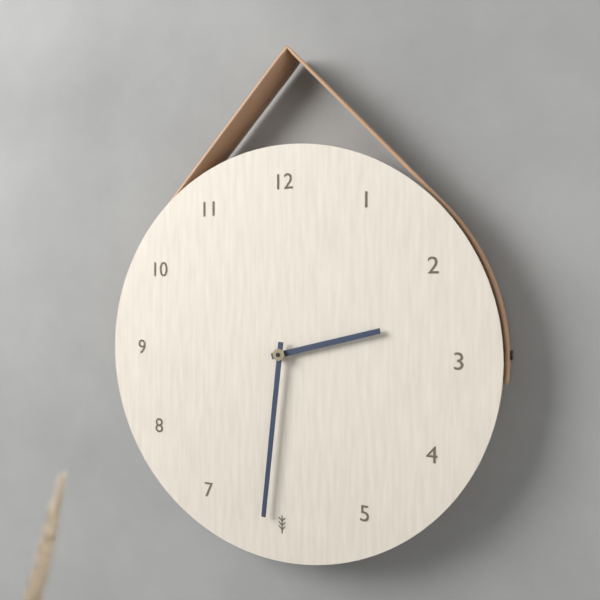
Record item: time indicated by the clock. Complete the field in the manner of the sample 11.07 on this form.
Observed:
2.31
